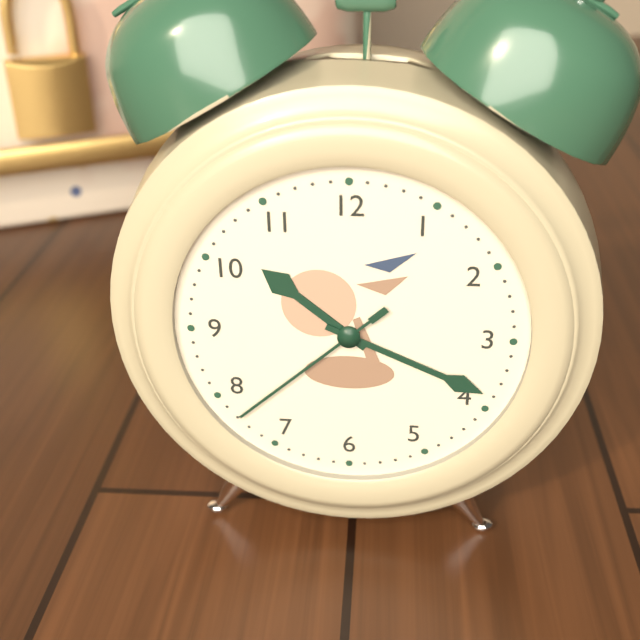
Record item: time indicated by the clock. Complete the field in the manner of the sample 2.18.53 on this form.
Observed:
10.19.38
